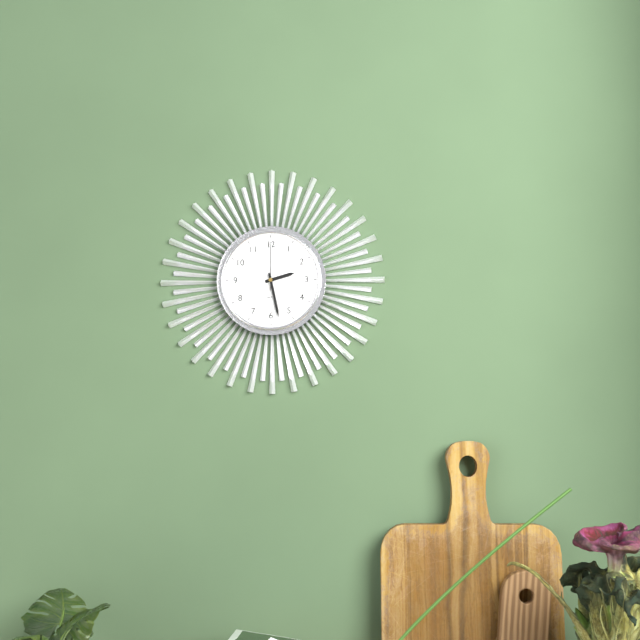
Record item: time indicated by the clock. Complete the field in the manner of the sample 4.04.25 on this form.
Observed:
2.28.00
